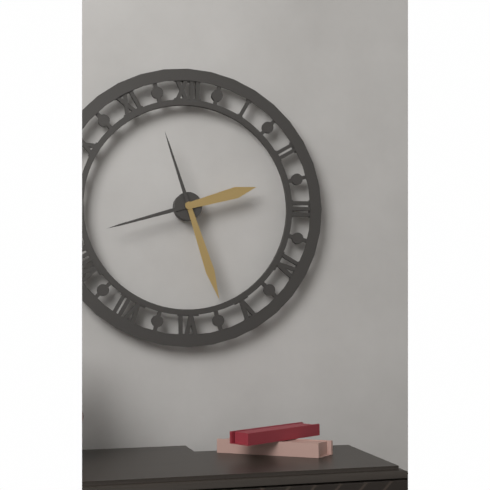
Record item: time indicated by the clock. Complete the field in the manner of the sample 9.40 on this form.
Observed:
2.27
